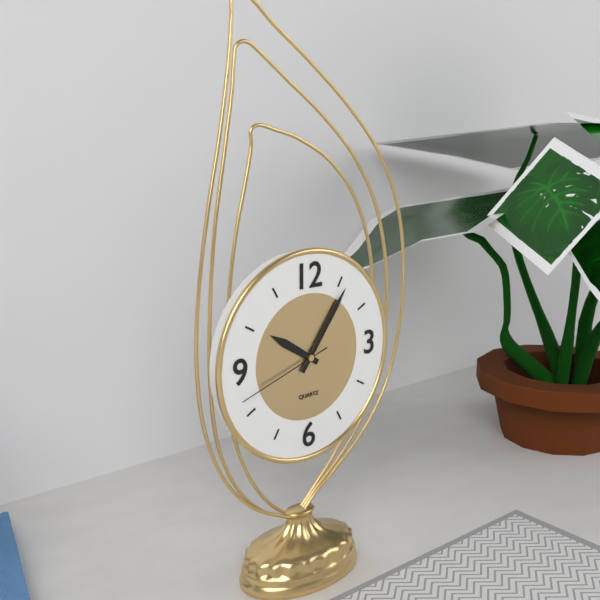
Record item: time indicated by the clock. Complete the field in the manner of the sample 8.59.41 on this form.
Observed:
10.06.42
